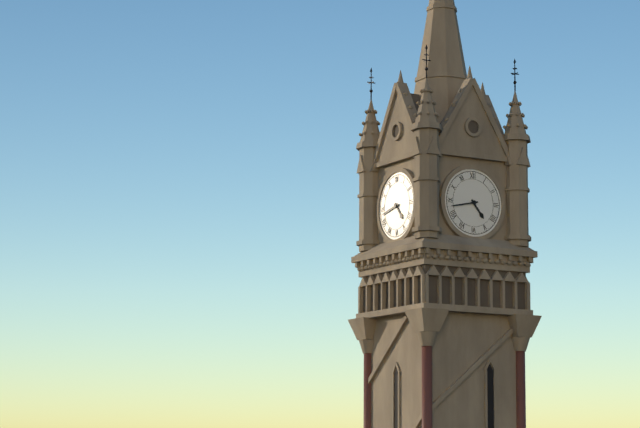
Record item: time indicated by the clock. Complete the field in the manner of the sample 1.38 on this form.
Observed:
4.43
